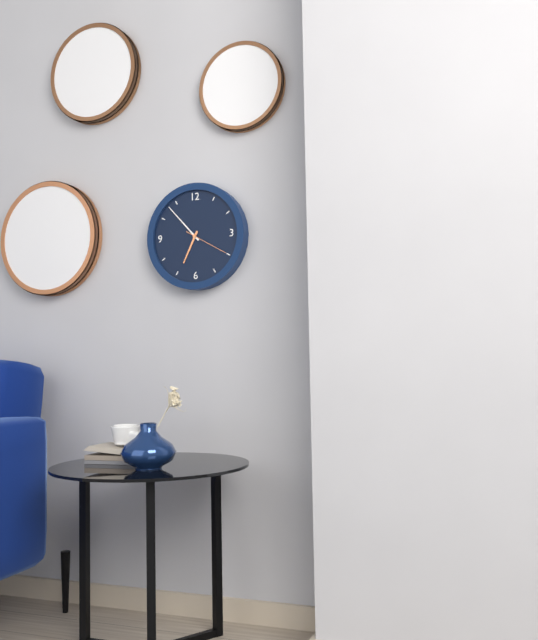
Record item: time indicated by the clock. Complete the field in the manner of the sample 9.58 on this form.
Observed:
6.53
